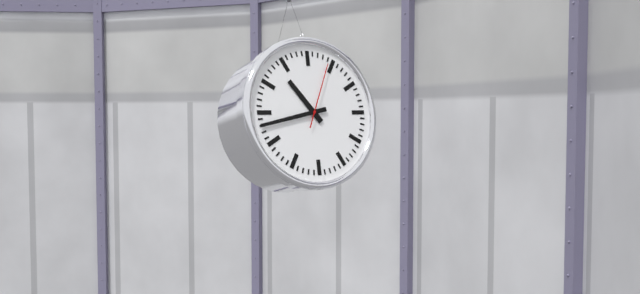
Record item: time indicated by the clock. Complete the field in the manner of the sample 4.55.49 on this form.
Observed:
10.43.04
